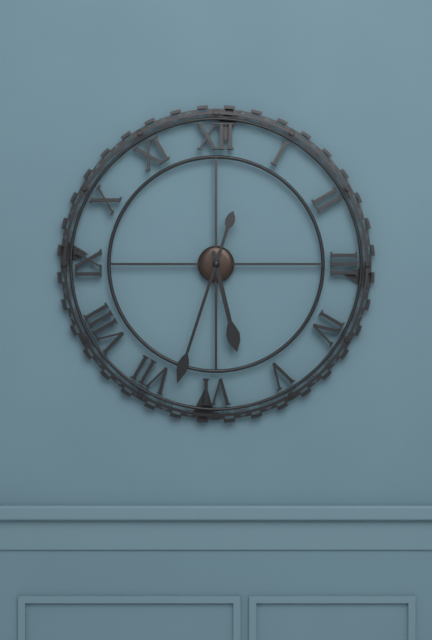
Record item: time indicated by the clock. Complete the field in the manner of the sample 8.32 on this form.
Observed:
5.33
